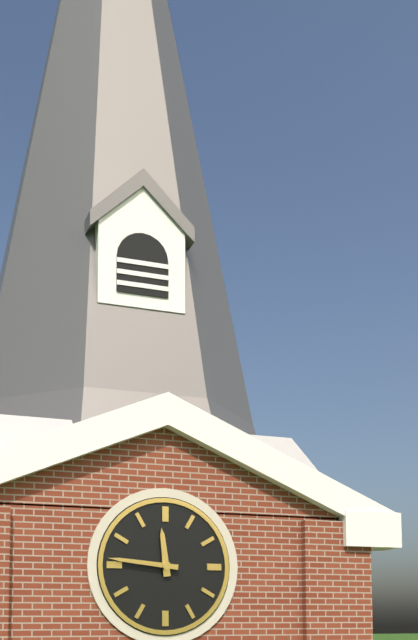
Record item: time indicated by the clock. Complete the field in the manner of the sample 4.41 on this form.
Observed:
11.46
